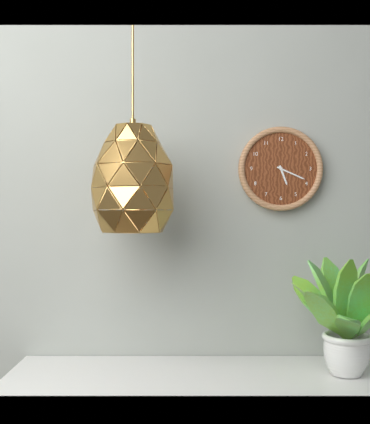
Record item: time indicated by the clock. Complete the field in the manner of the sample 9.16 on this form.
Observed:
5.19
